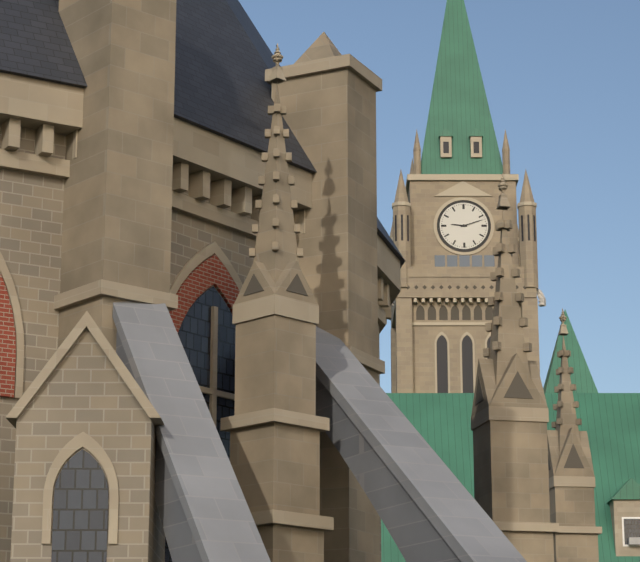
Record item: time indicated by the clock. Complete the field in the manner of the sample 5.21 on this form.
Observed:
9.12
